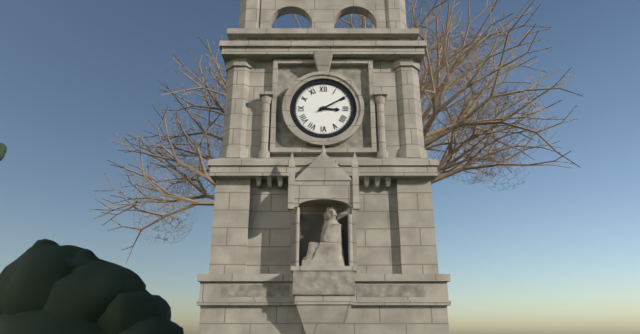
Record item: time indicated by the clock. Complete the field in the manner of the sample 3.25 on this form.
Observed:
3.10
